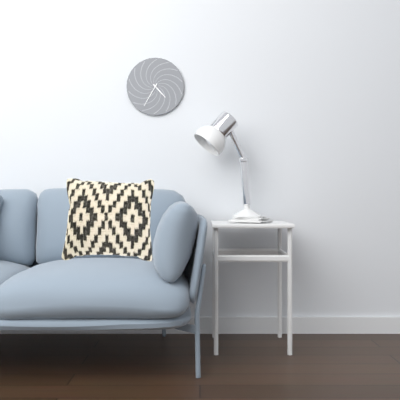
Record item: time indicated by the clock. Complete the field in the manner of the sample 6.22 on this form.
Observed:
4.35
